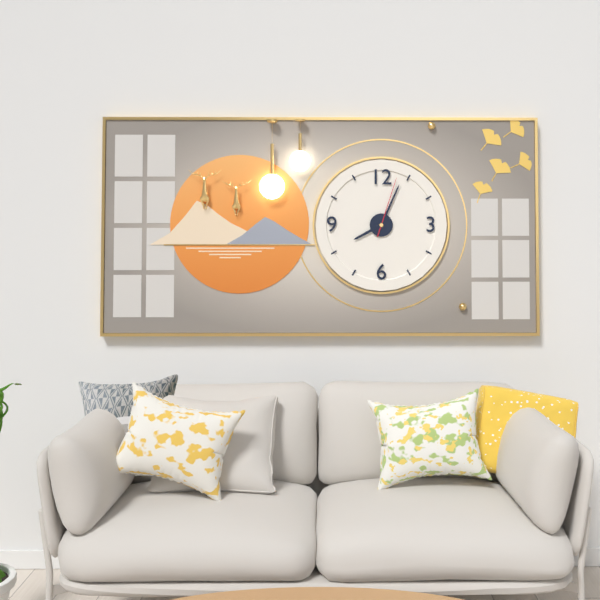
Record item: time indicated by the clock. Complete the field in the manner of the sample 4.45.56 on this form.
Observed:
8.04.03
